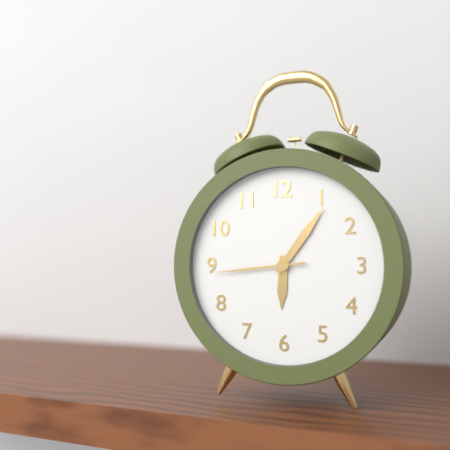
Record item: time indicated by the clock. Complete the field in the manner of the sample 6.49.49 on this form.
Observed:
6.06.44
